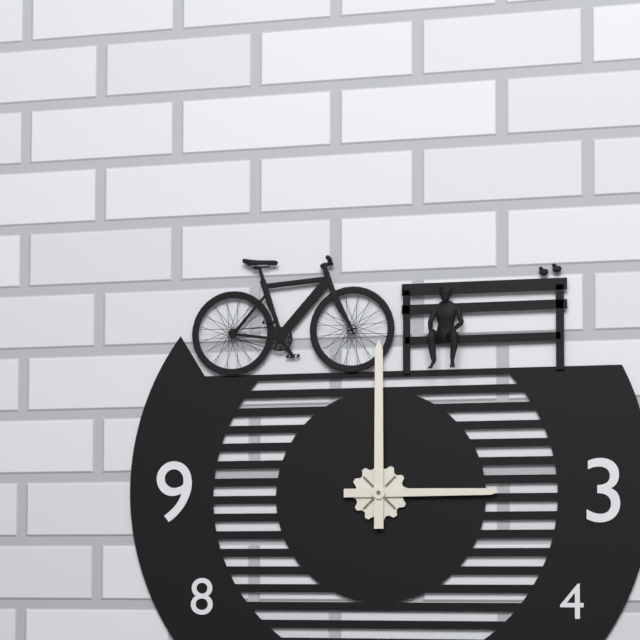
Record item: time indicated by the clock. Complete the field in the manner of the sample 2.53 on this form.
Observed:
3.00
